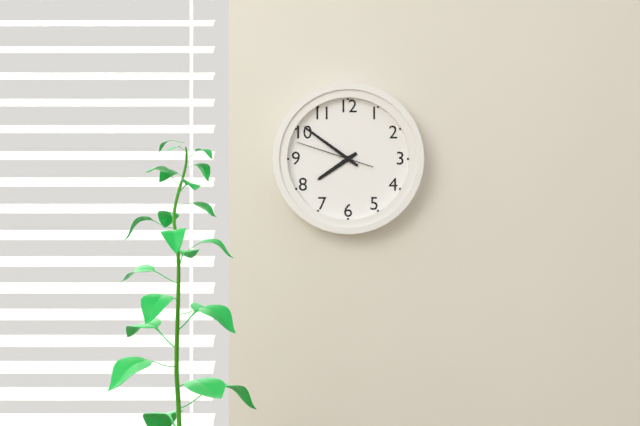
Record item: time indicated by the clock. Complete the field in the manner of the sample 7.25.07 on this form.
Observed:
7.51.48
